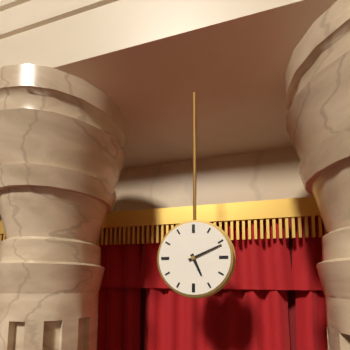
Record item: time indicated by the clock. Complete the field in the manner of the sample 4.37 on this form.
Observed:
5.11
